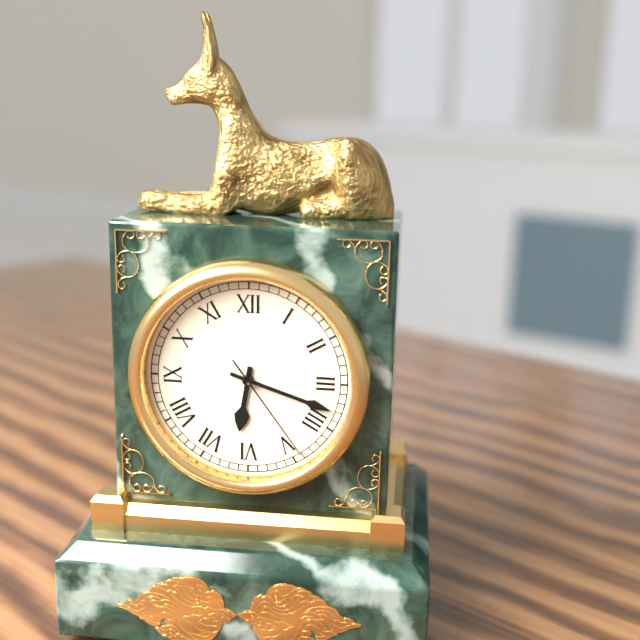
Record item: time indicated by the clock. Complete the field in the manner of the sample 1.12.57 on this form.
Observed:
6.18.24
